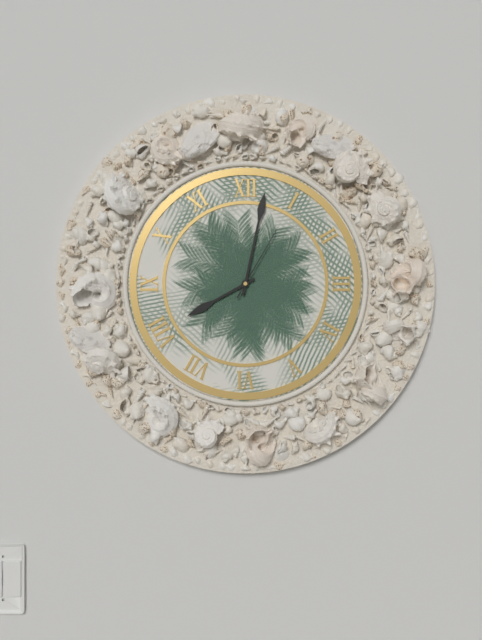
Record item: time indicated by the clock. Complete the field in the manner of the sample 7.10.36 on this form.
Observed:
8.02.05
